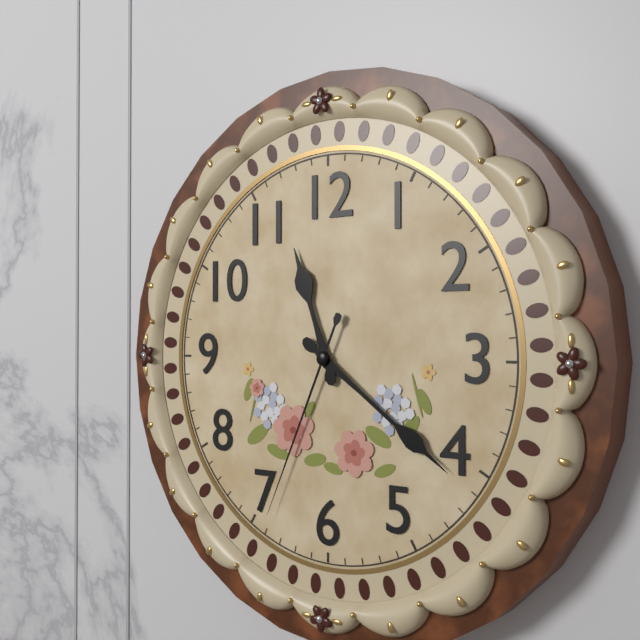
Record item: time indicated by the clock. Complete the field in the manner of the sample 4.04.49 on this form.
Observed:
11.21.34
